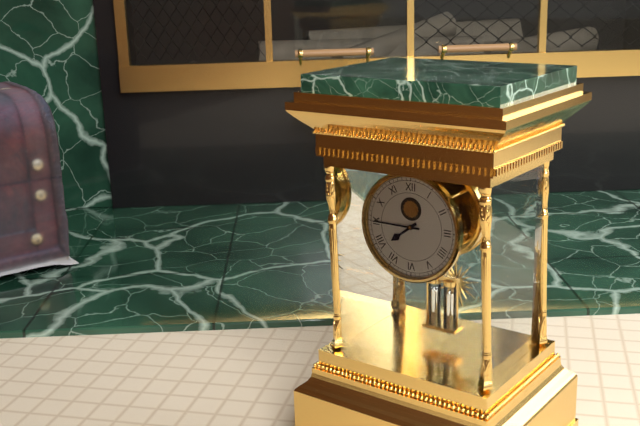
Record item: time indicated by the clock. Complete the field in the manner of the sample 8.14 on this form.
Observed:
7.45
